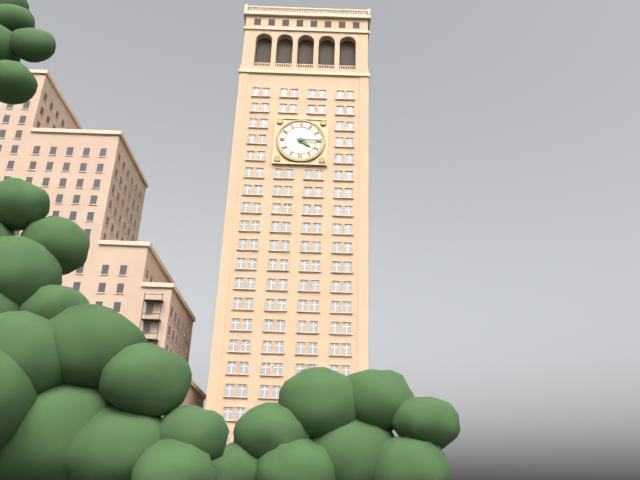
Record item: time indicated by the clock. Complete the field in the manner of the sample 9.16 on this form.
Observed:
4.15
